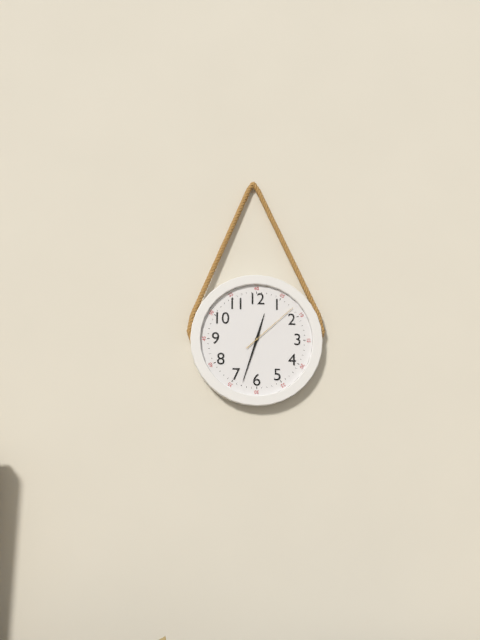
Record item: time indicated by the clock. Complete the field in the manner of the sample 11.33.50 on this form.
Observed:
12.33.08
